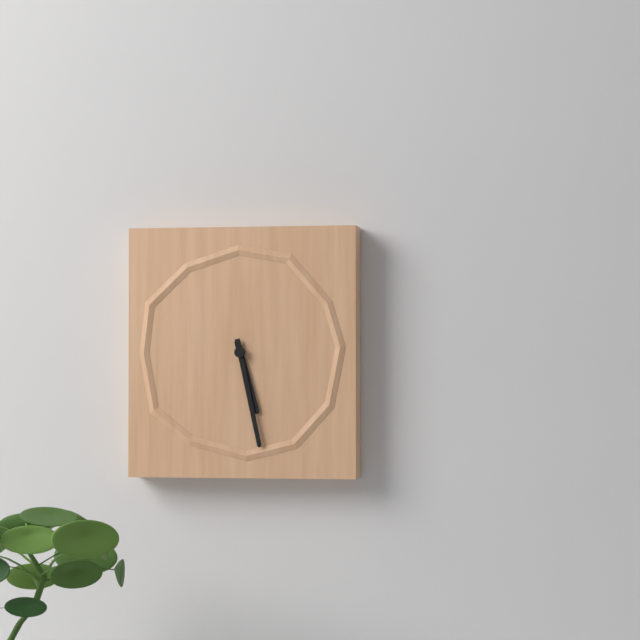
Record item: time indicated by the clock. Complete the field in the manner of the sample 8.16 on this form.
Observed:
5.28
